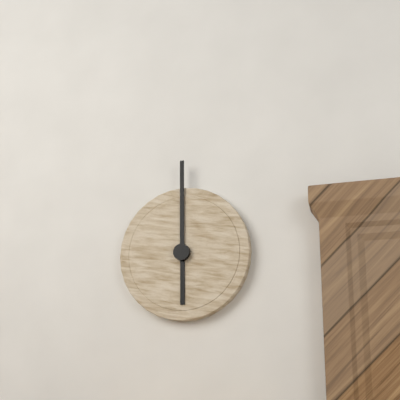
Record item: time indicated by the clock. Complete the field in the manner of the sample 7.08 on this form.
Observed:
6.00
